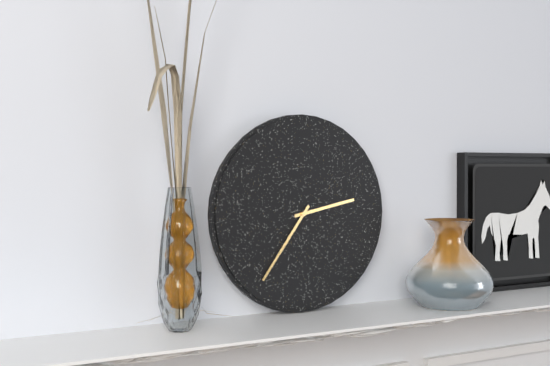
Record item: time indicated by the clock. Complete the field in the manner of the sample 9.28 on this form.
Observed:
2.36
